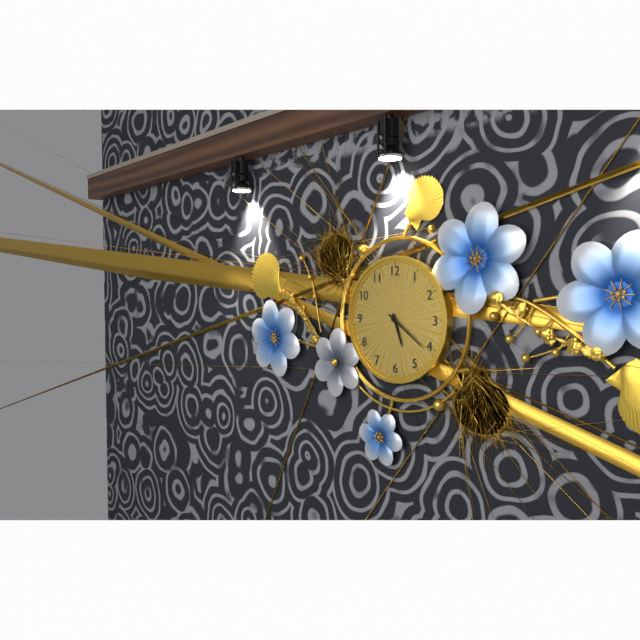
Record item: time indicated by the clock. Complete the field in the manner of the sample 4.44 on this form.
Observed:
5.21
